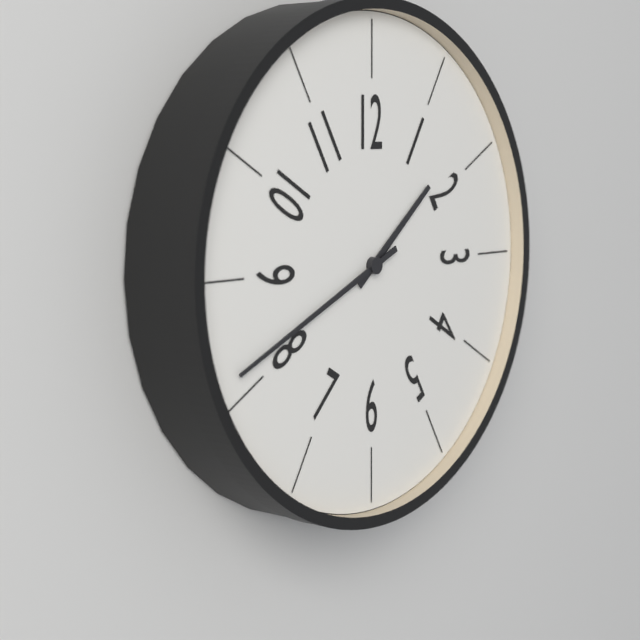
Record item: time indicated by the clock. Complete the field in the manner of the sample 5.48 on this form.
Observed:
1.41
